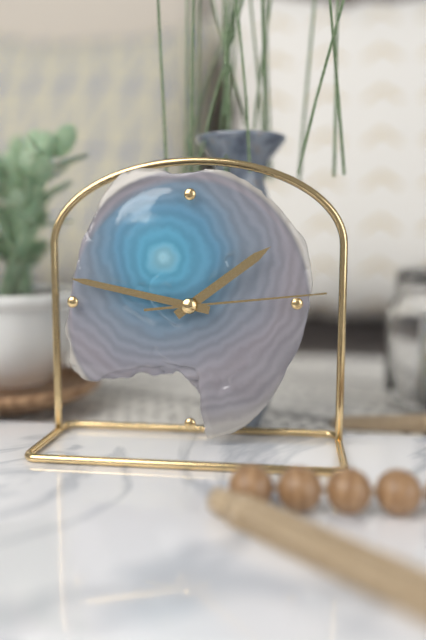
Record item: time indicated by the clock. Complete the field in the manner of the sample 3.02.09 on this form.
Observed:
1.47.14
